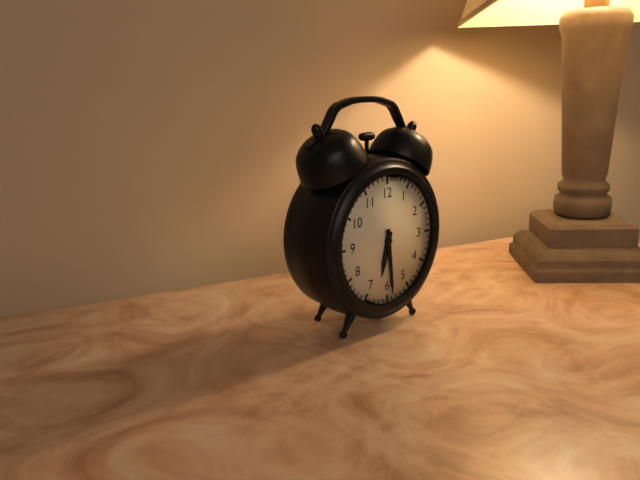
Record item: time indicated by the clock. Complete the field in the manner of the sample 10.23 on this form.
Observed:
6.29
